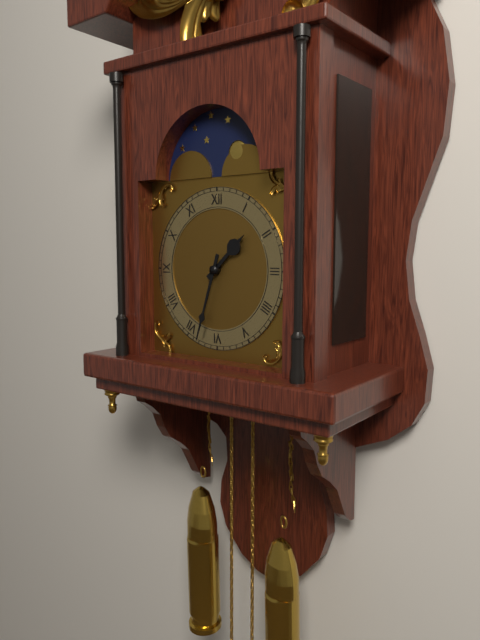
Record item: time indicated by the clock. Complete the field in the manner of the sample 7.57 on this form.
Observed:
1.33
